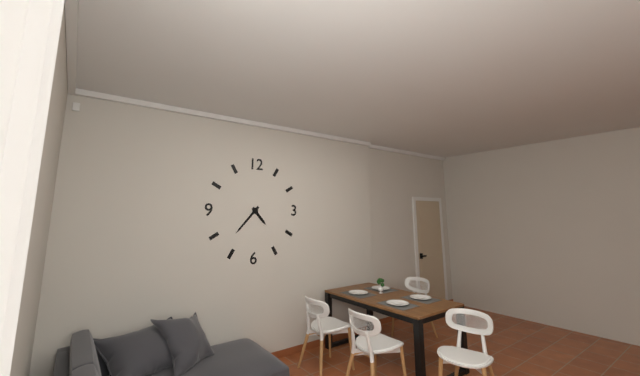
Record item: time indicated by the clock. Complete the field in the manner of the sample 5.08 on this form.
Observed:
4.37
